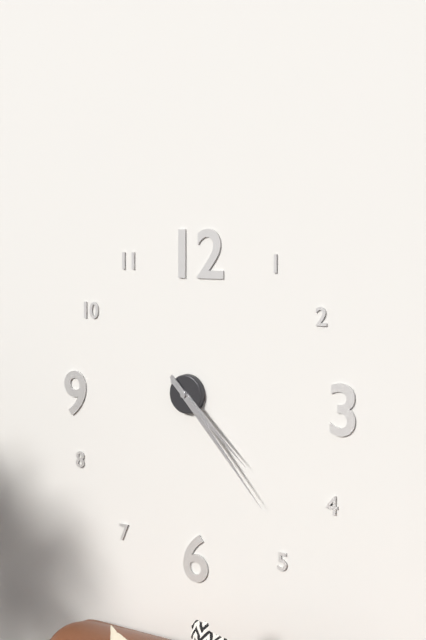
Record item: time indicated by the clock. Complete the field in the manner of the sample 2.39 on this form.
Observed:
4.23
